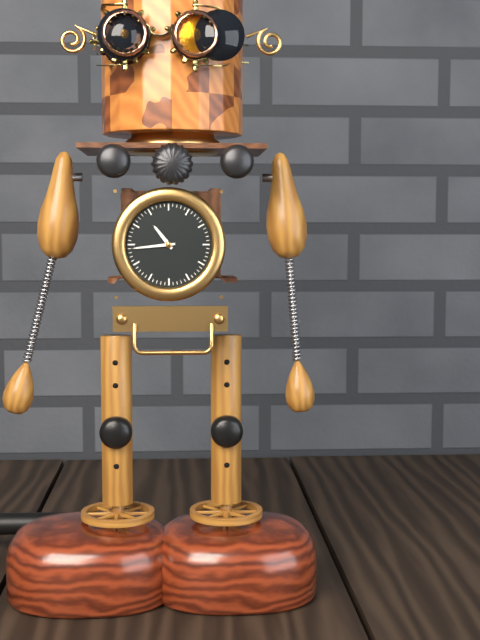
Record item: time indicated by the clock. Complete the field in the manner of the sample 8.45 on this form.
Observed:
10.44
